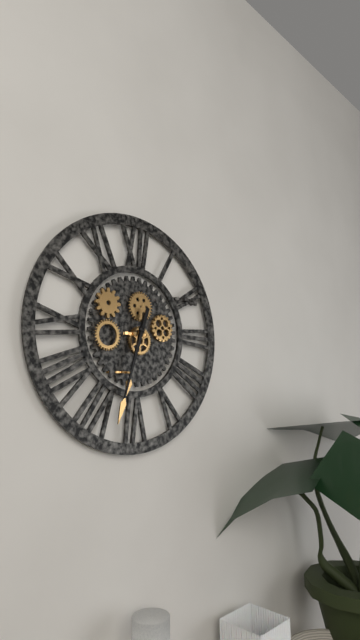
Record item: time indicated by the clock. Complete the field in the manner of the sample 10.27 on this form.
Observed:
6.33
